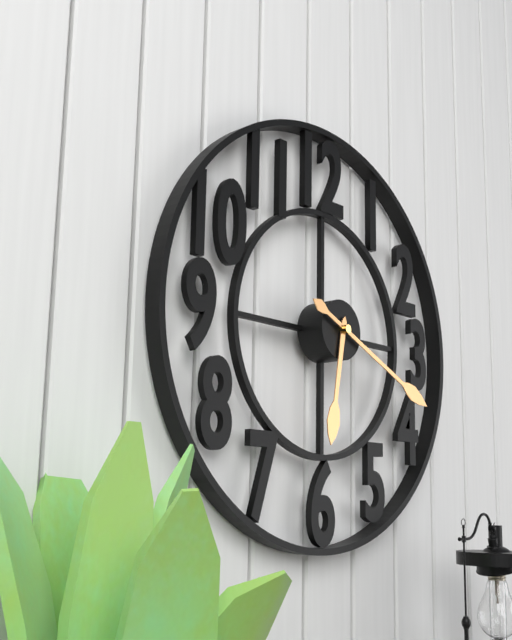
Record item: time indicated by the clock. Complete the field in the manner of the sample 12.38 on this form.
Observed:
6.19
